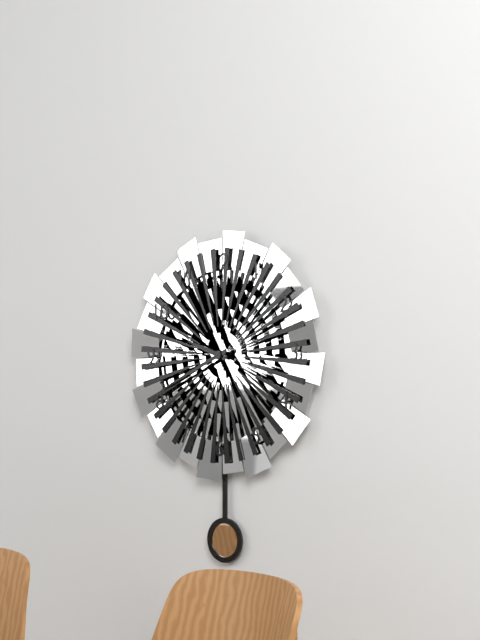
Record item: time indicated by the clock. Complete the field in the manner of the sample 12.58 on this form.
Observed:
9.41
